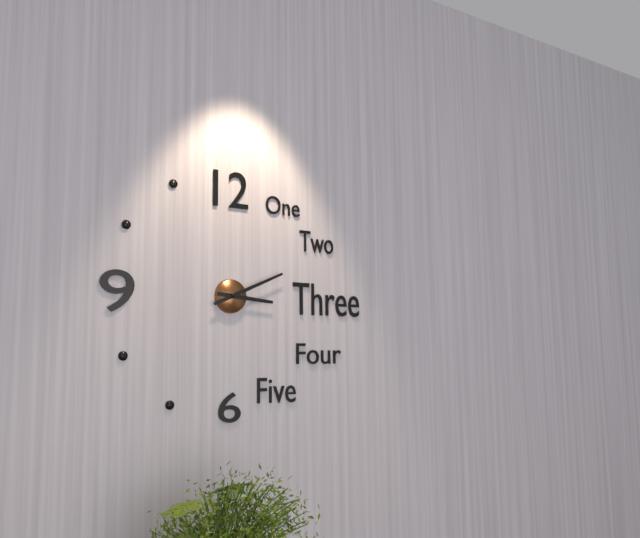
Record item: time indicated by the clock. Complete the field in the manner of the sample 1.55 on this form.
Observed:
3.11
